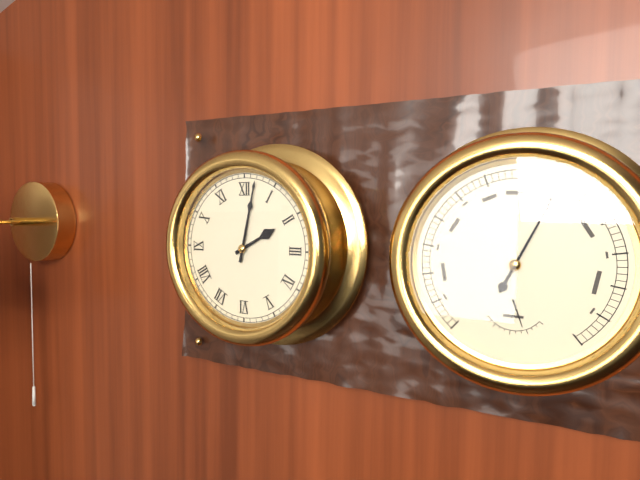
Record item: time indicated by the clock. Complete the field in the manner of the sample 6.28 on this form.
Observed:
2.02
